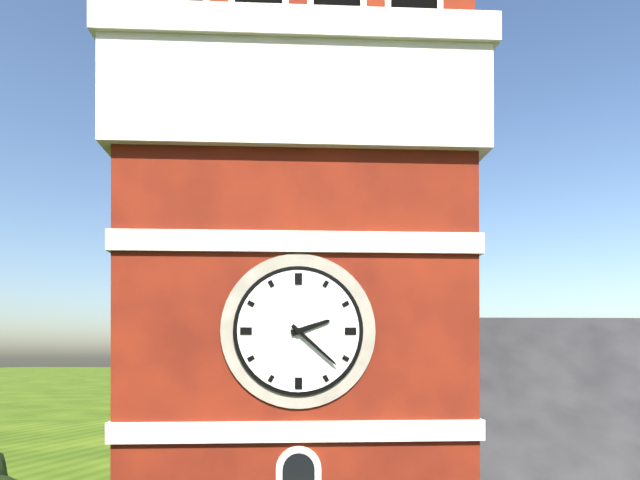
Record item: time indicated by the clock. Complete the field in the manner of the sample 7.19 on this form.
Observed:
2.22
